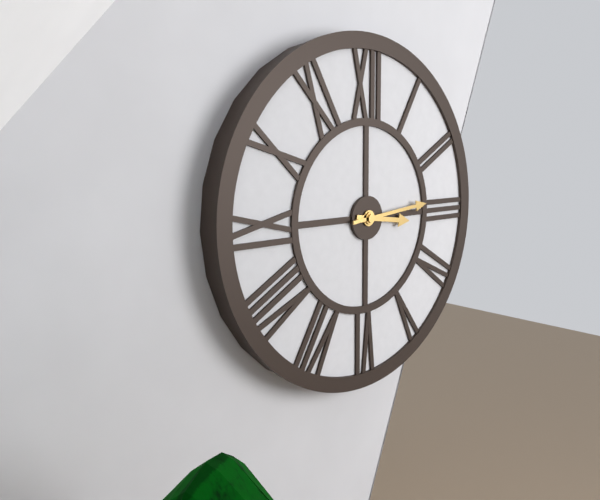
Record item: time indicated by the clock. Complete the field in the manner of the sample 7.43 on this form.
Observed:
3.14
